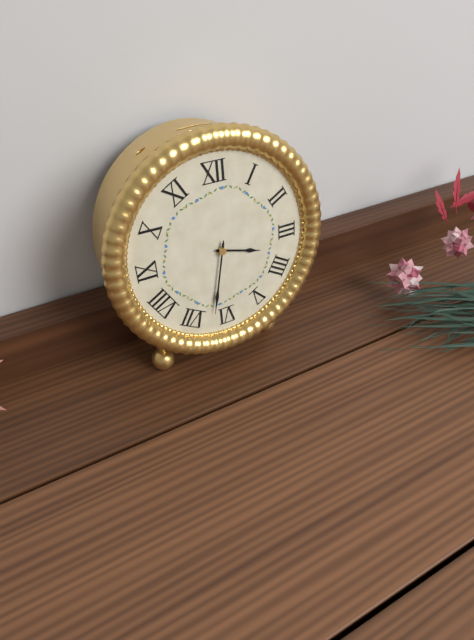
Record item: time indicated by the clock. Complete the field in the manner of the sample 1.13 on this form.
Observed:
3.32
